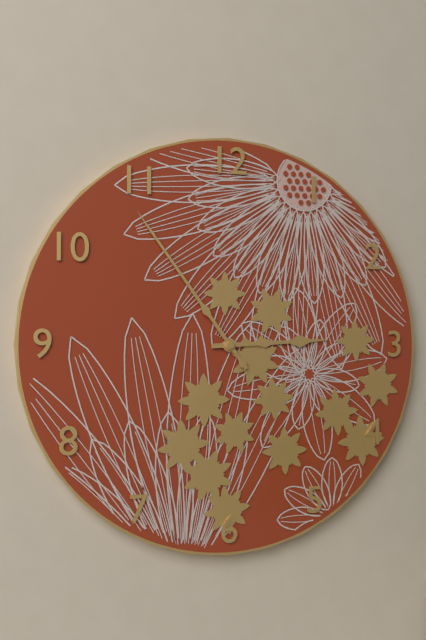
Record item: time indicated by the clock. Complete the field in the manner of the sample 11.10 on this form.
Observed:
2.54
